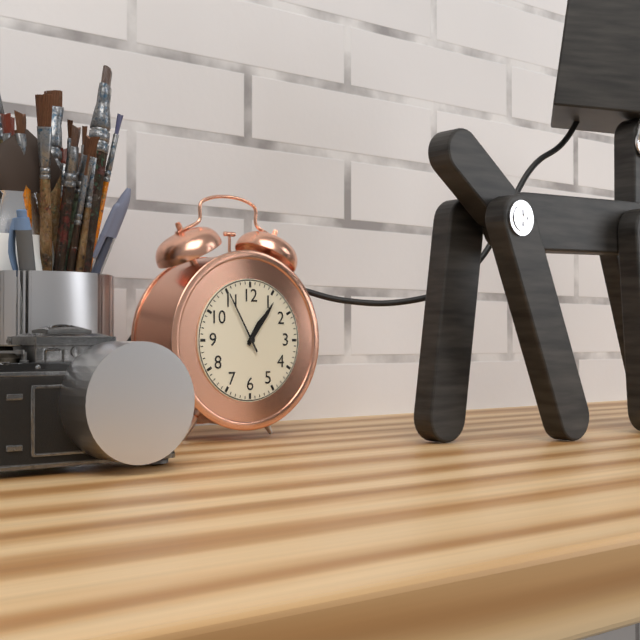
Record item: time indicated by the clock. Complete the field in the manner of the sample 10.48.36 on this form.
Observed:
1.06.55
